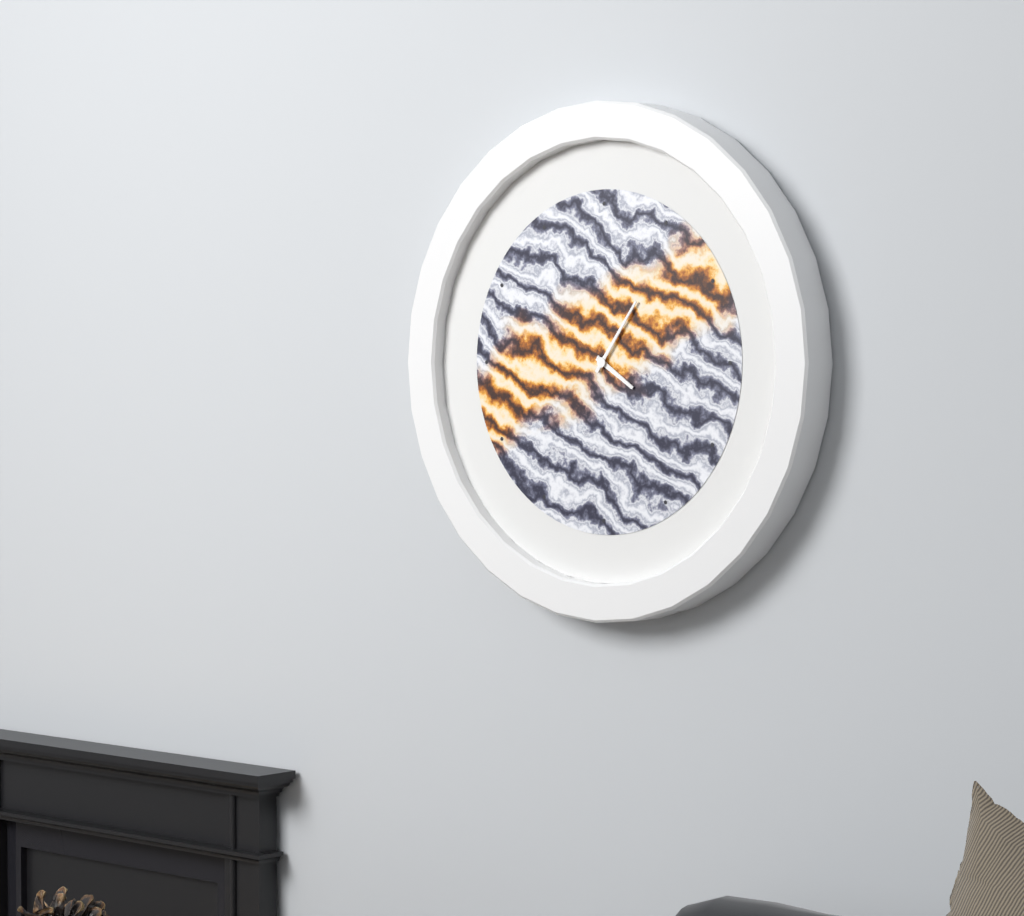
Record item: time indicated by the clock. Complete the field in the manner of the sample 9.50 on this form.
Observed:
4.06
